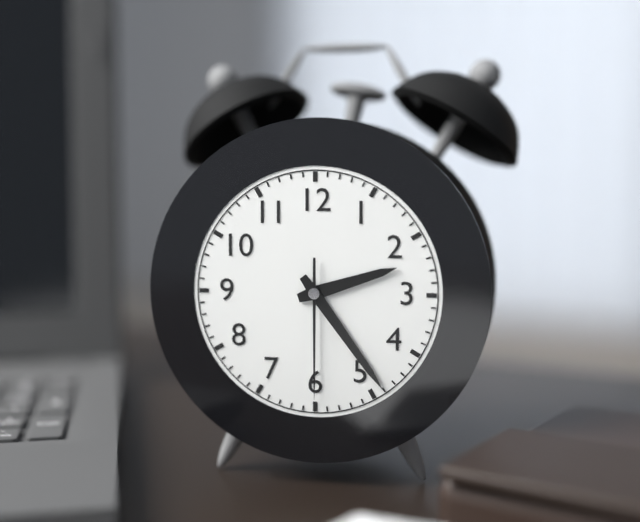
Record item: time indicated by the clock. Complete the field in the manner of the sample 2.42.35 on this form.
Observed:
2.24.30
